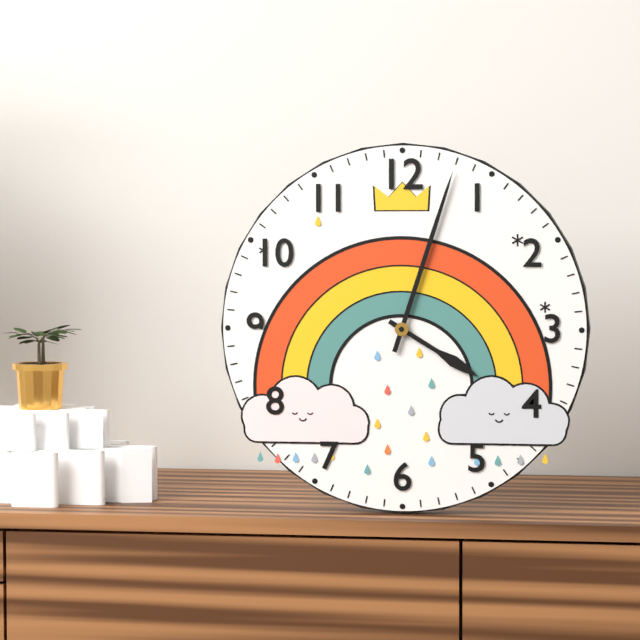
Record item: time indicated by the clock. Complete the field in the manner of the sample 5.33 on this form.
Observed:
4.03
